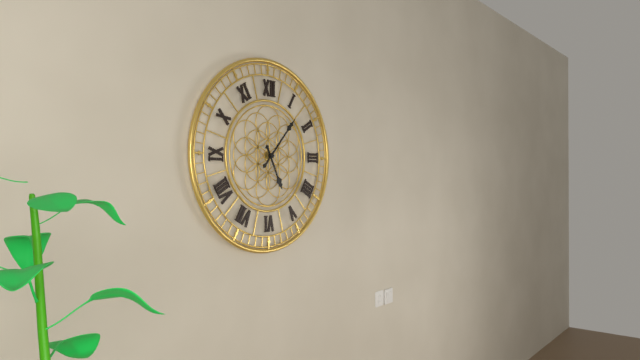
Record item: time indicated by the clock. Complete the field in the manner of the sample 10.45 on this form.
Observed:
5.07
